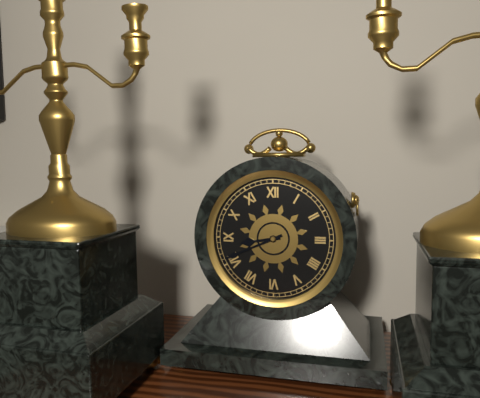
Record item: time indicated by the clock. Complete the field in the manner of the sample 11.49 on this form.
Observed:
8.41
